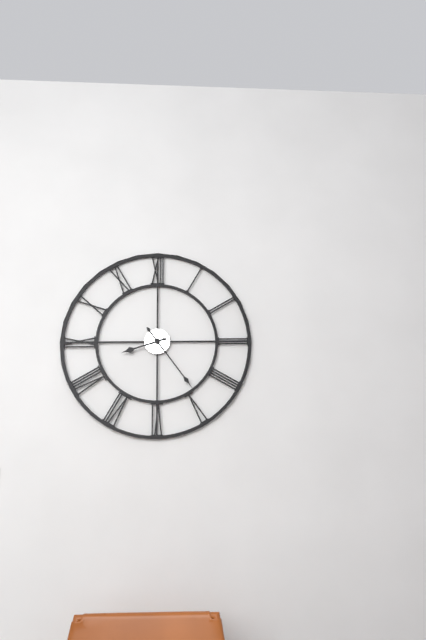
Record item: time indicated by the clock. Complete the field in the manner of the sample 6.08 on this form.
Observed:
8.24
